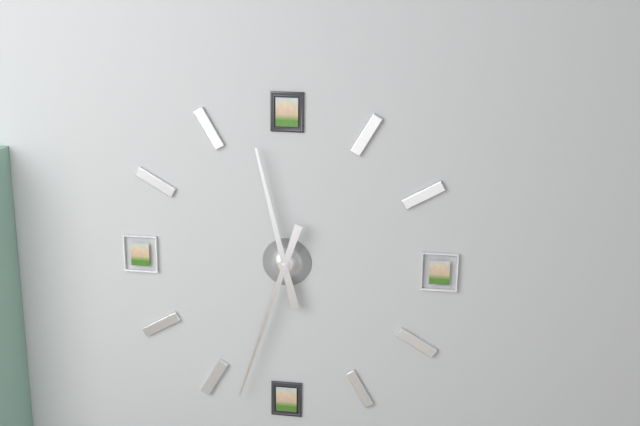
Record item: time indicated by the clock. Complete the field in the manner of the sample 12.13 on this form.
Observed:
11.33
